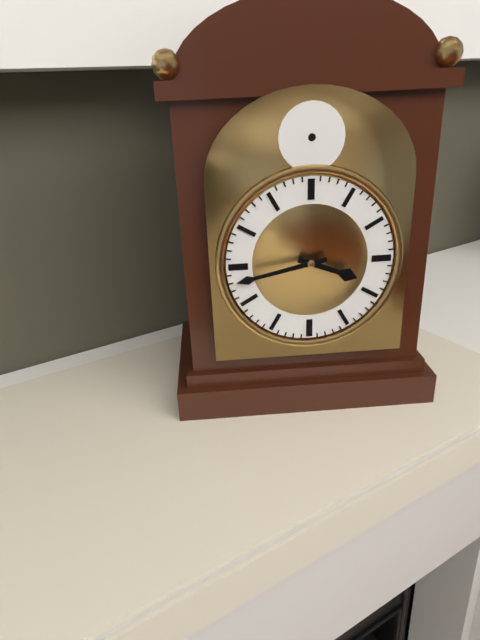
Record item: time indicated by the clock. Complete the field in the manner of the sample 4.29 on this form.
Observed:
3.43
